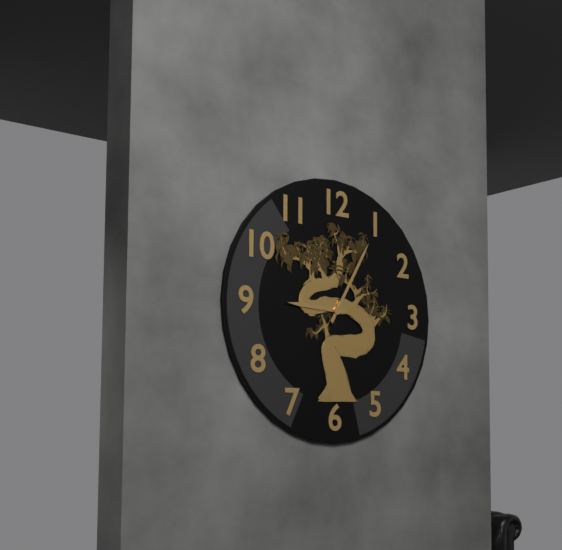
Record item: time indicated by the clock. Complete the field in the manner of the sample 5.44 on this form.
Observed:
9.05
